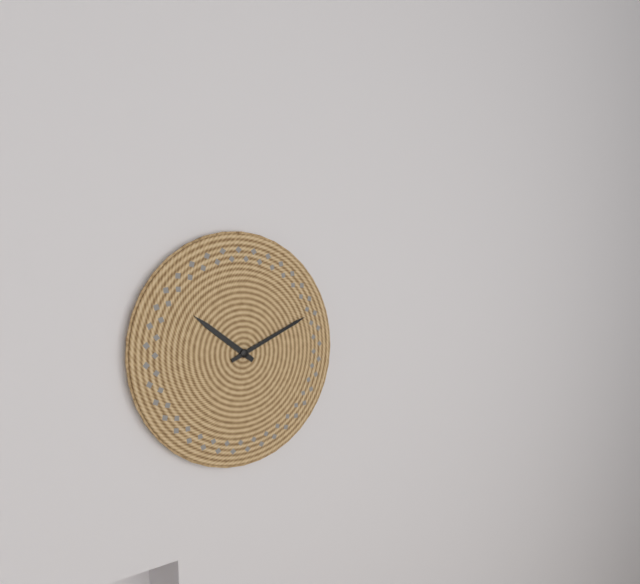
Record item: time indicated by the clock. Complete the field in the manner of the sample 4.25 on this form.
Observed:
10.11
